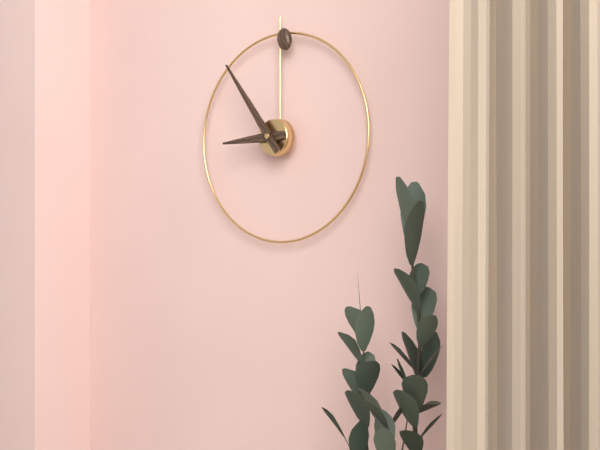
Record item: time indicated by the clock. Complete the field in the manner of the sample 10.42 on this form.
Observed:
8.54
